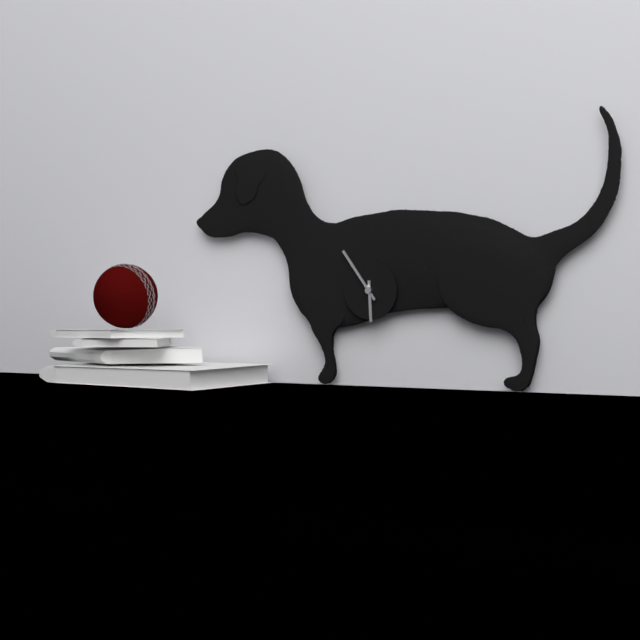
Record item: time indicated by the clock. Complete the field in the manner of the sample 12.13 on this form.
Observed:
5.54
